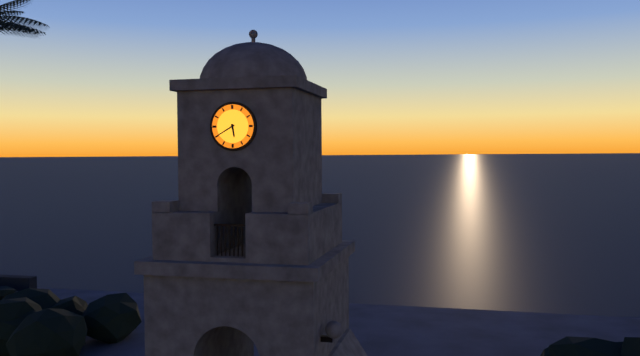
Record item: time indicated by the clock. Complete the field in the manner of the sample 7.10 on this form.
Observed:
5.40
